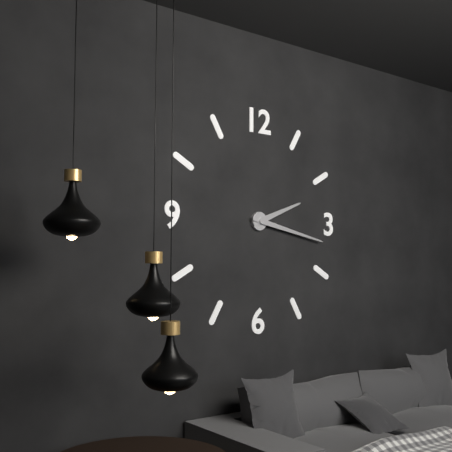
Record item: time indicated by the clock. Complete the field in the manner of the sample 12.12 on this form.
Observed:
2.17
